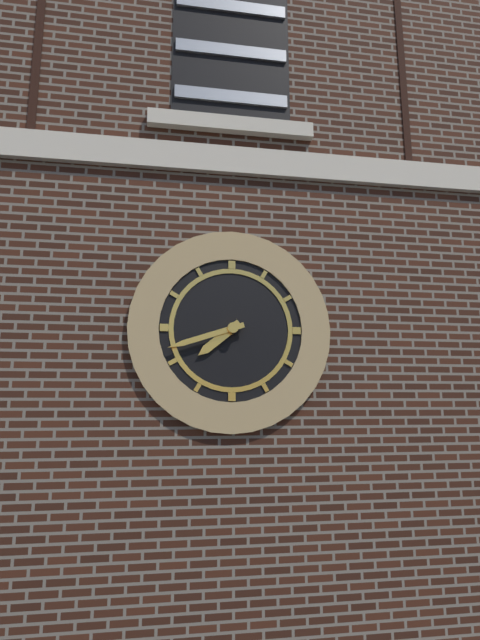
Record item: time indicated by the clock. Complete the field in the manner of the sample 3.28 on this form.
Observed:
7.42
